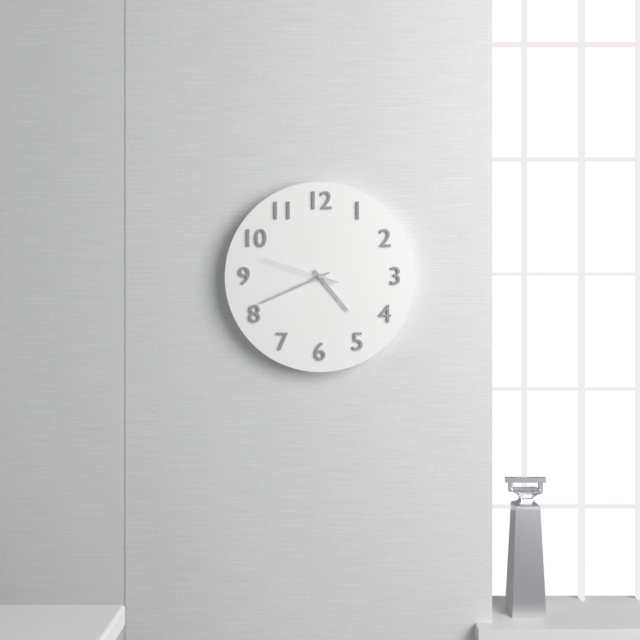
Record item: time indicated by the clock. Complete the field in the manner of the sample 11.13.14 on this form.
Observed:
4.41.48
